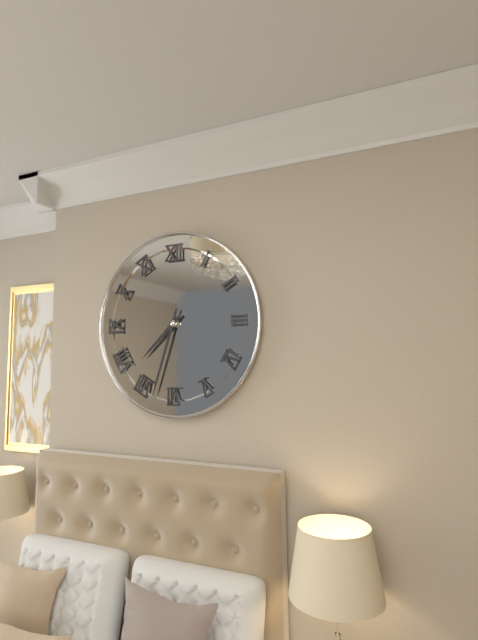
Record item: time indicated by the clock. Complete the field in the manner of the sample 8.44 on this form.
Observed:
7.33
